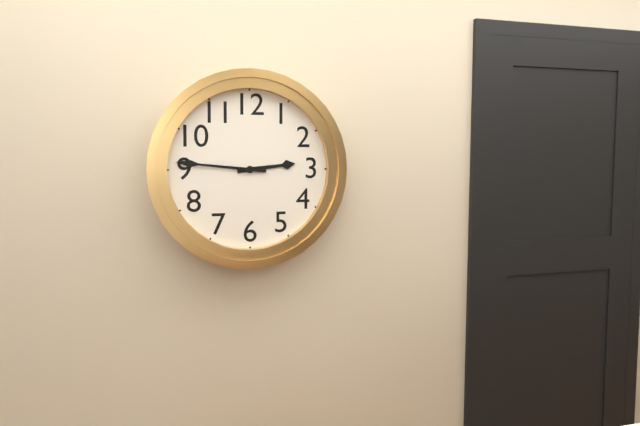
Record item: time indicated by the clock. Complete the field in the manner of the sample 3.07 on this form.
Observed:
2.46
